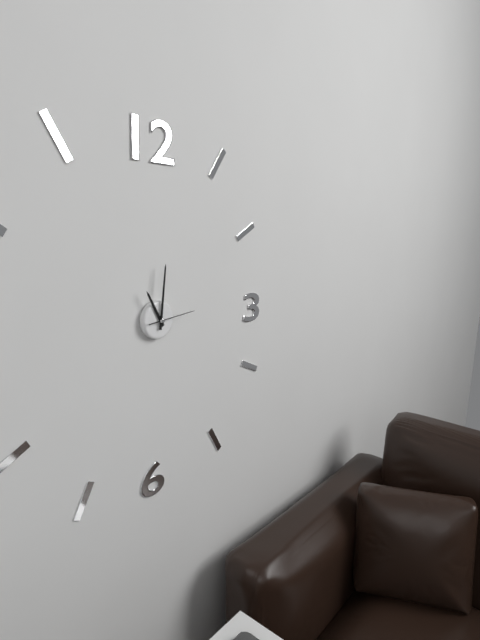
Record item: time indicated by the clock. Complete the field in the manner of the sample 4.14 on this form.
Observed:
11.01
